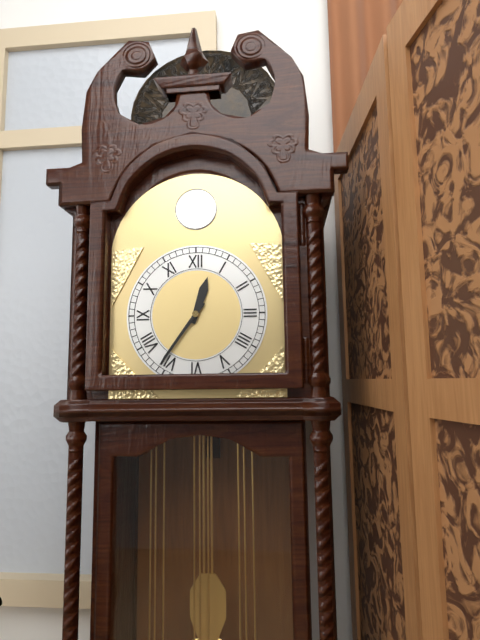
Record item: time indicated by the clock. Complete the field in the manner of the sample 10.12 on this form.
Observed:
12.36
